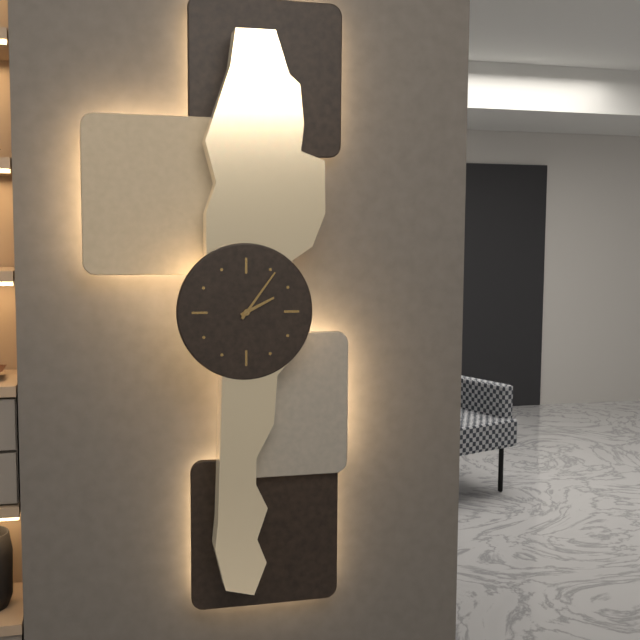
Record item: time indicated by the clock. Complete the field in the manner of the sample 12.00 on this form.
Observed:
2.06
